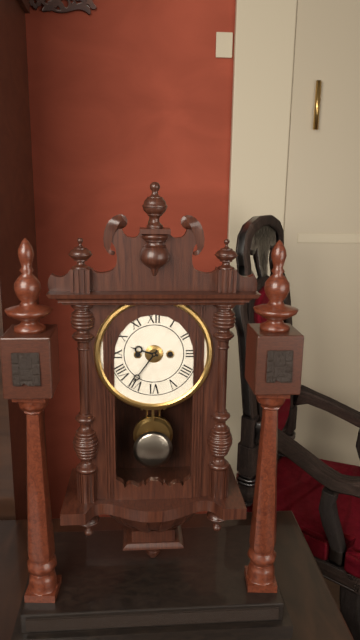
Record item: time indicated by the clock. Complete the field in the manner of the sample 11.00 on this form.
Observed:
9.36
